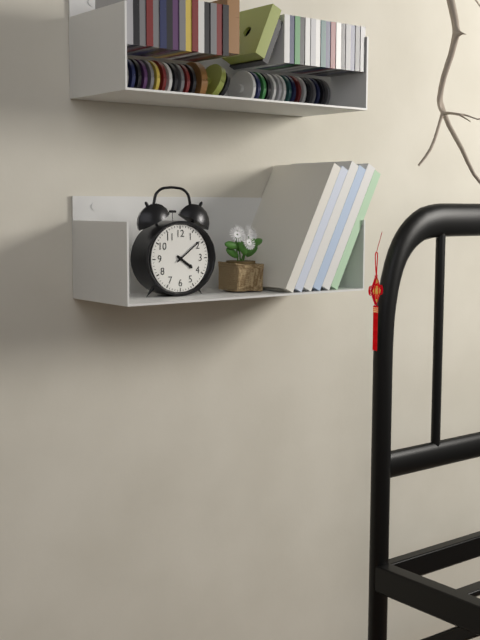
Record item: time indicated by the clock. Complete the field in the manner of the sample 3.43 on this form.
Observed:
4.09
